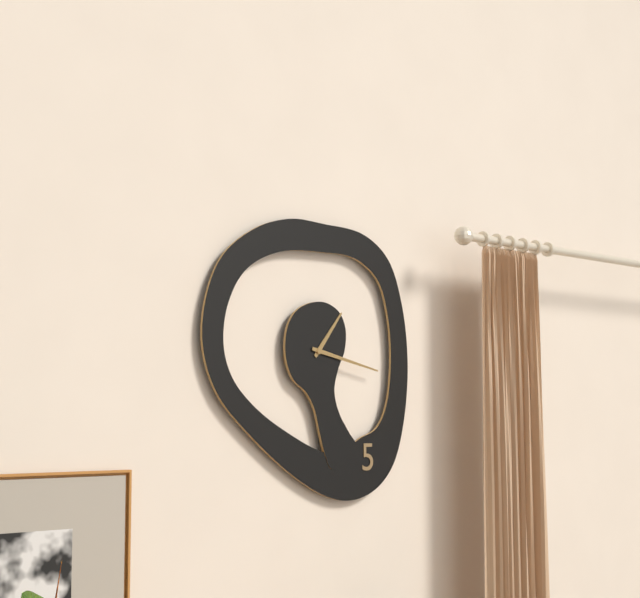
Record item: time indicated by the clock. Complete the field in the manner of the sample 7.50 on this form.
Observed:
1.17
